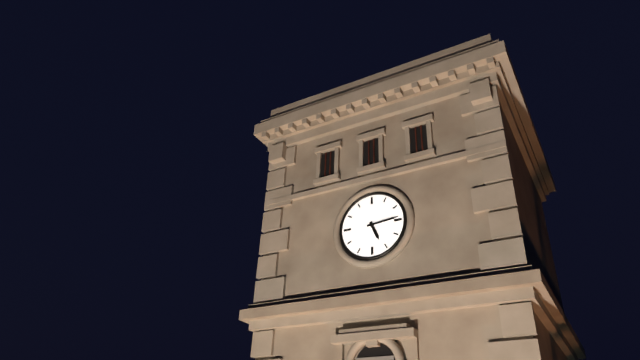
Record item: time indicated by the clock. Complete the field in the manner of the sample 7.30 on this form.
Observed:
5.14
